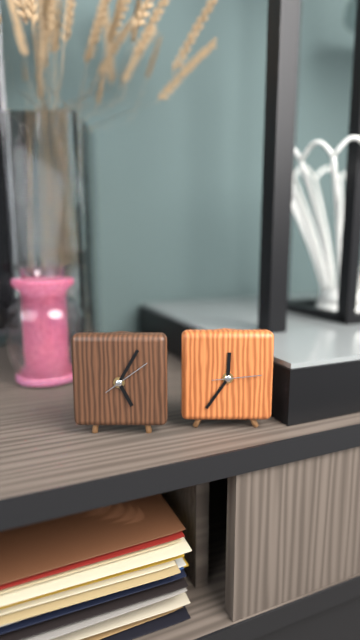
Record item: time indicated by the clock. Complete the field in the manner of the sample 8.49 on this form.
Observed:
5.05
